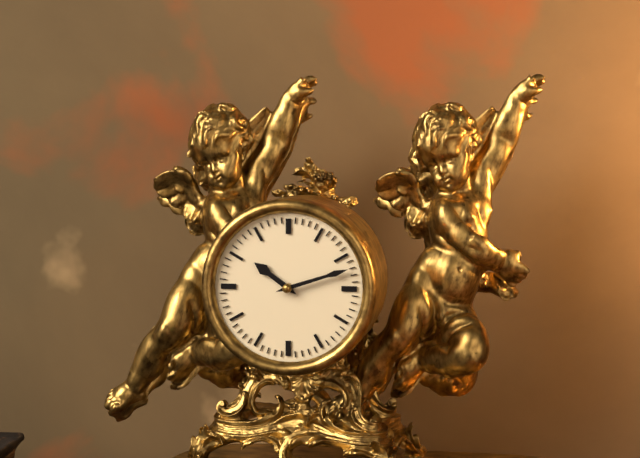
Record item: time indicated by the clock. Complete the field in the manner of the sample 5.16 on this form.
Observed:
10.12
